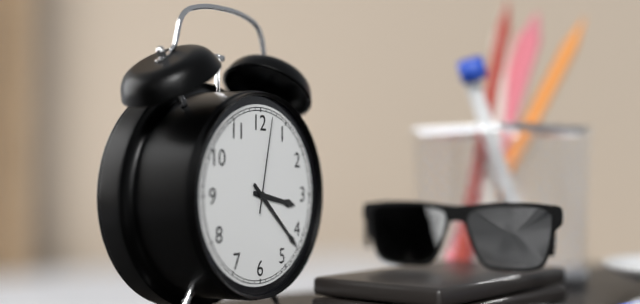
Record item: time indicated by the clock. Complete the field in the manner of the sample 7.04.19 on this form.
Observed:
3.22.02
